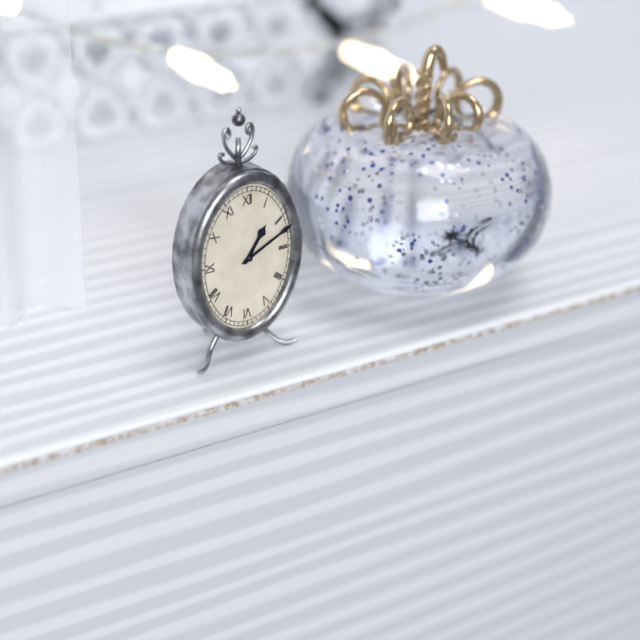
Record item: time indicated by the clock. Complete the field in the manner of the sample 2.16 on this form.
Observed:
1.11
